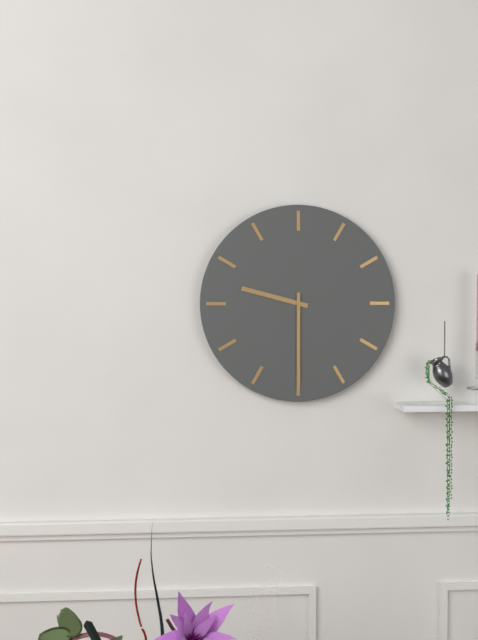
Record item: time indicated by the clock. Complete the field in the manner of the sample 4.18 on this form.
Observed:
9.30
